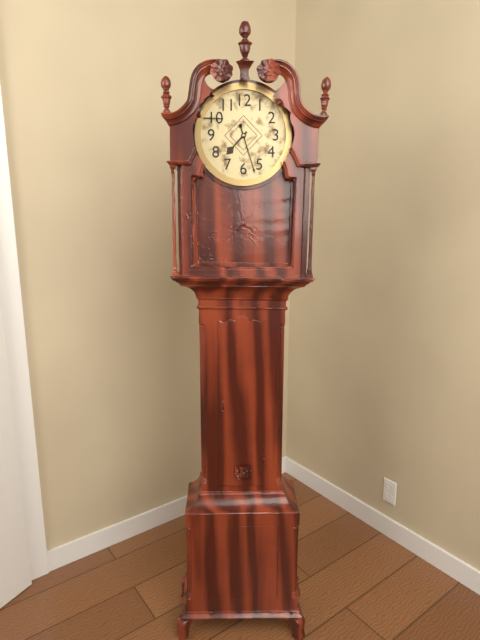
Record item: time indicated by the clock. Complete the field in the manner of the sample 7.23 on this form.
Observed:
7.27
